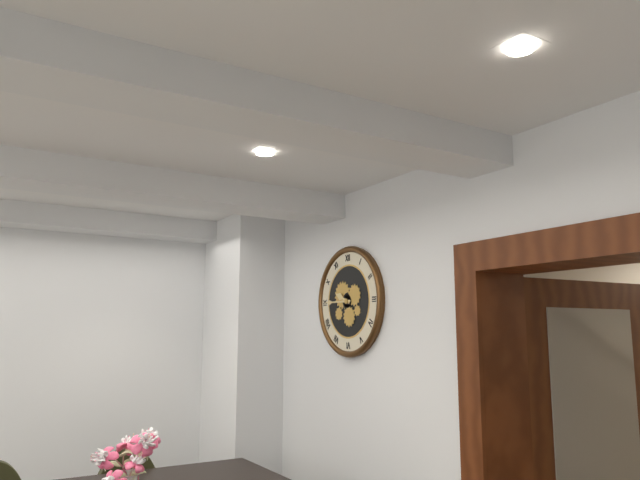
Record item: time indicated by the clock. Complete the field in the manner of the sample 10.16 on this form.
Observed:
9.45
